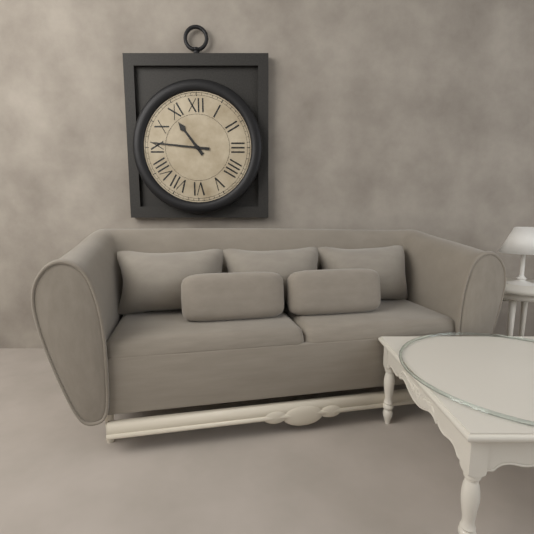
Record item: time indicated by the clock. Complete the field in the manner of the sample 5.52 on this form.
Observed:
10.46
